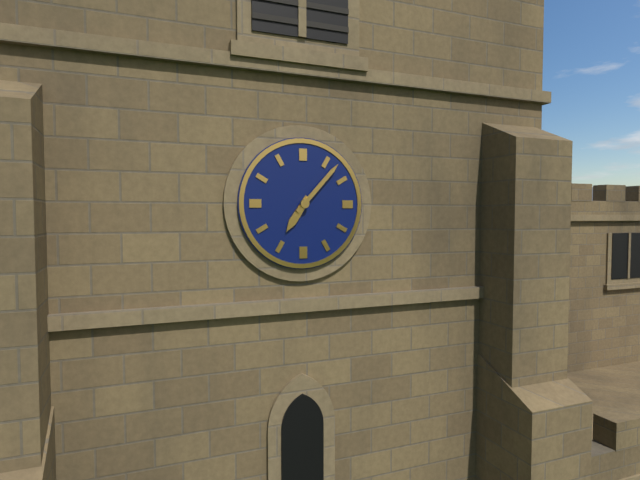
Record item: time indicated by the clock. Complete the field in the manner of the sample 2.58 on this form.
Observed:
7.07
